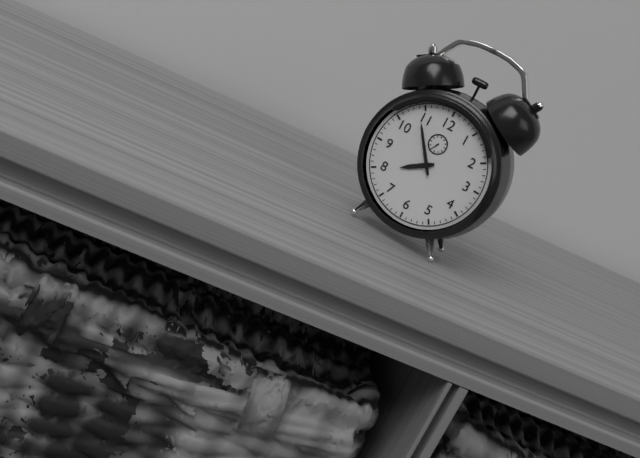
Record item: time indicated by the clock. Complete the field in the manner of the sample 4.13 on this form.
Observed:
7.54
